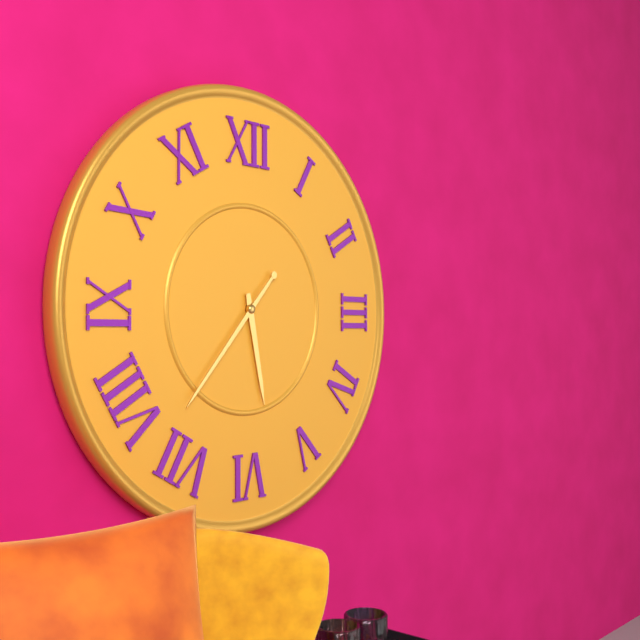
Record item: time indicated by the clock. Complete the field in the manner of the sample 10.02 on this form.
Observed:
5.37
